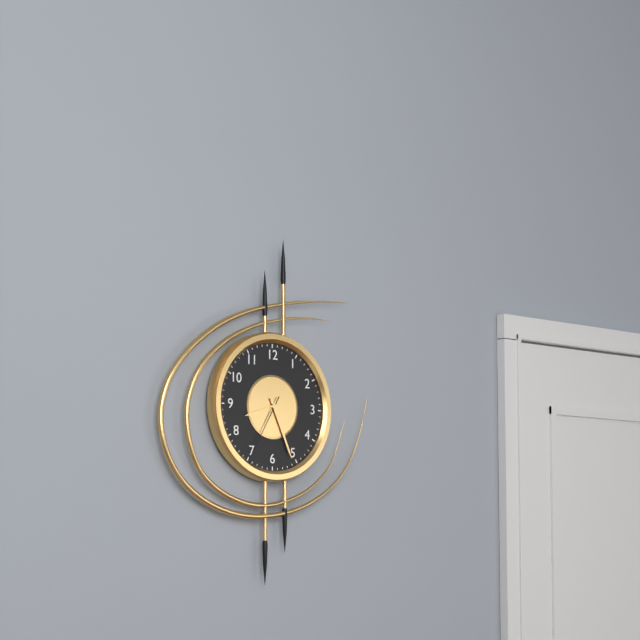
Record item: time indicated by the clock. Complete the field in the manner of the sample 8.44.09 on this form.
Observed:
8.26.35
